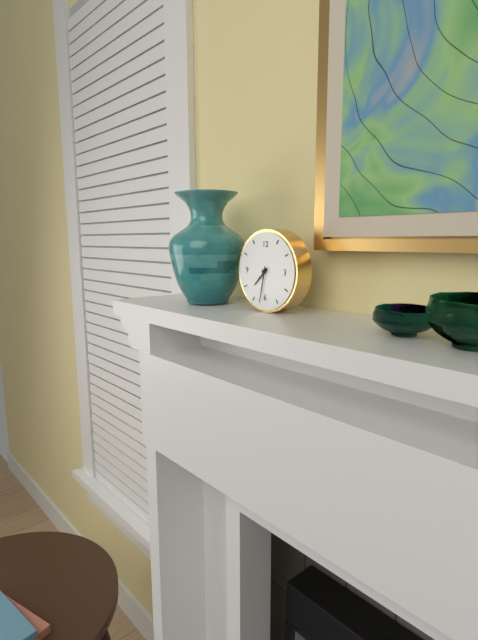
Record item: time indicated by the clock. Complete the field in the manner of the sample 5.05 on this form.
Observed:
7.32
